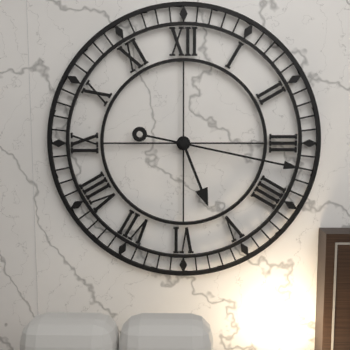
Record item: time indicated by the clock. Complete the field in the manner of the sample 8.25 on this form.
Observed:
5.17
